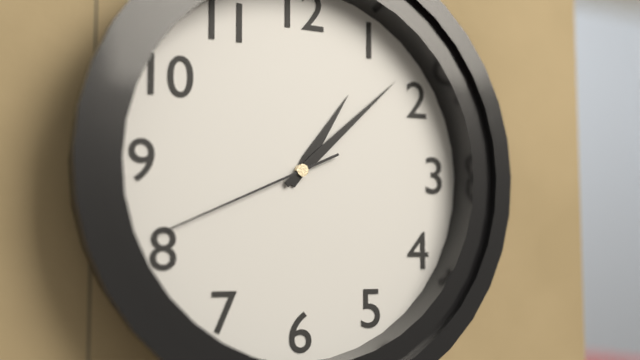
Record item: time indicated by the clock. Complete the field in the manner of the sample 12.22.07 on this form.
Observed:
1.08.41
